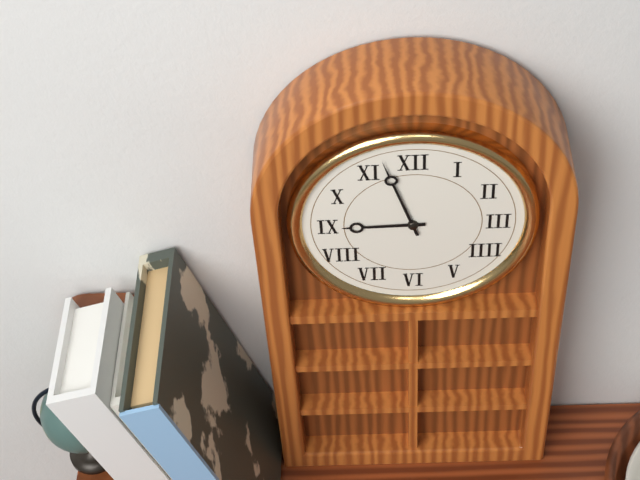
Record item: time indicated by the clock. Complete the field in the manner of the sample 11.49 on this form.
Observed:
8.57
